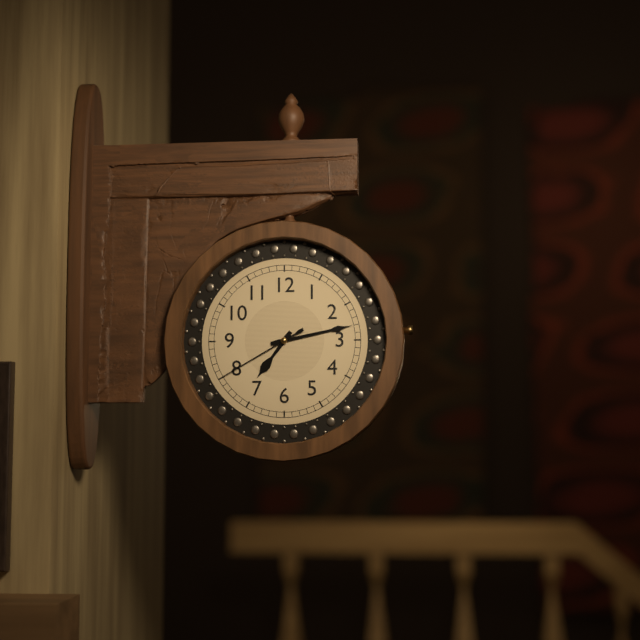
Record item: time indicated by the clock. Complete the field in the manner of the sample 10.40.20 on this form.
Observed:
7.13.40
